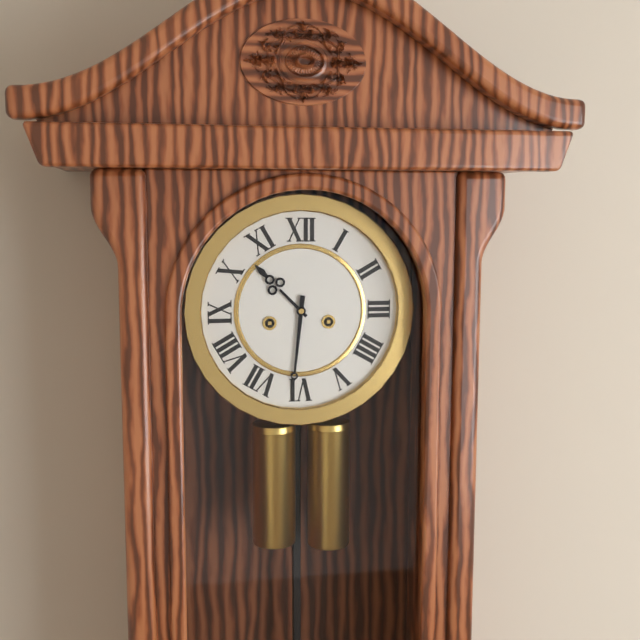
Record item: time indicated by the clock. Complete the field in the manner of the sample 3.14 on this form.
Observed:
10.31
